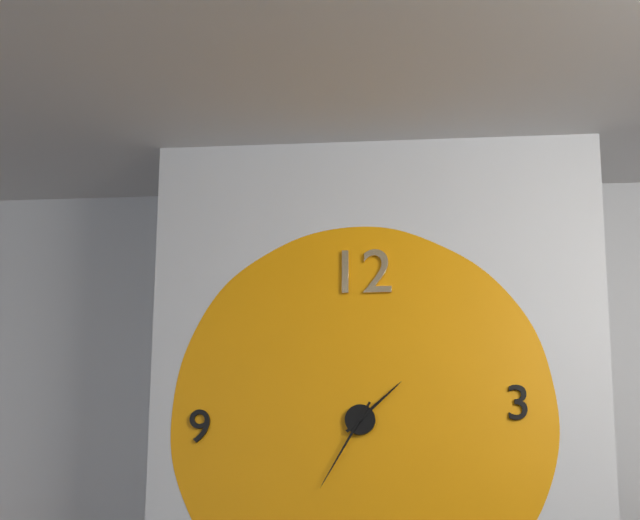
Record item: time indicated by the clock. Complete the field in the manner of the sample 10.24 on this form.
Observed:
1.35
